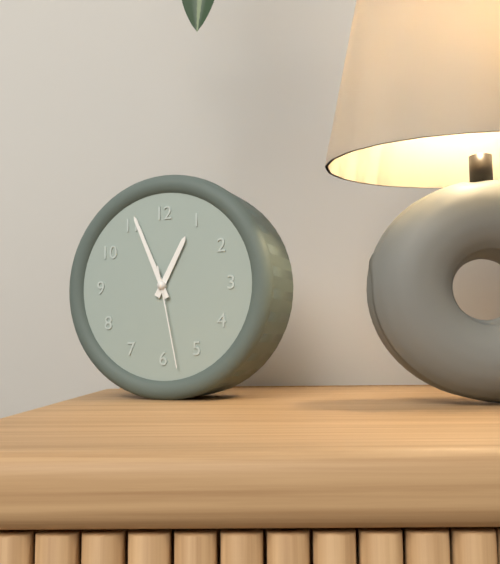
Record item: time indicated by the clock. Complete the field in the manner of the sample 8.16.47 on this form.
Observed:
12.56.28
